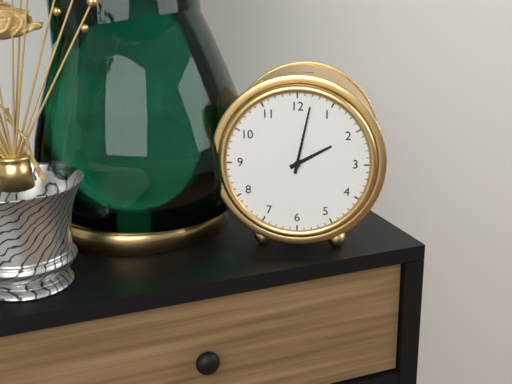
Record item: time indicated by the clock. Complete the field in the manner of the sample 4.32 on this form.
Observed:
2.02
